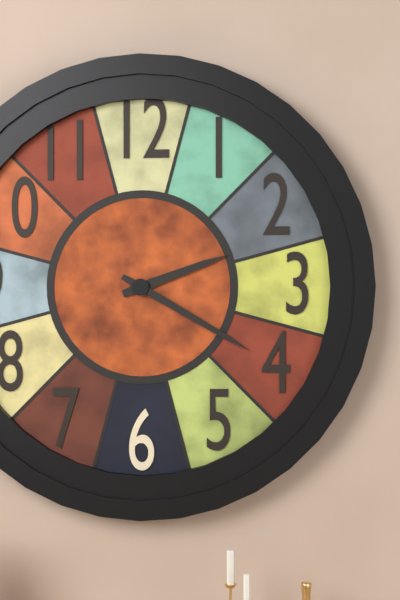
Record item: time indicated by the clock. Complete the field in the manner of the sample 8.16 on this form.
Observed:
2.20
